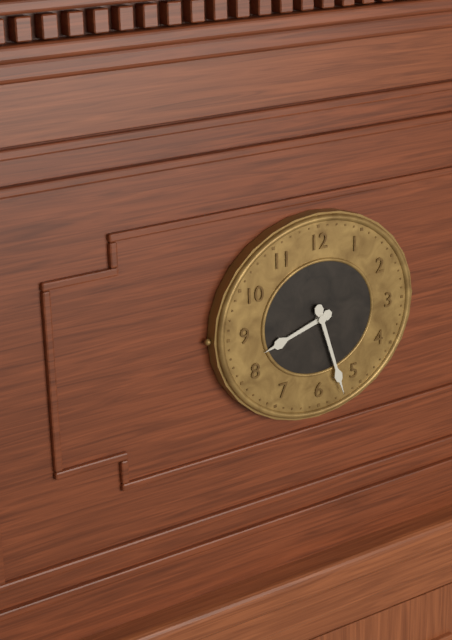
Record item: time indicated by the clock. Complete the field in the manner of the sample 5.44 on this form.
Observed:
8.27
